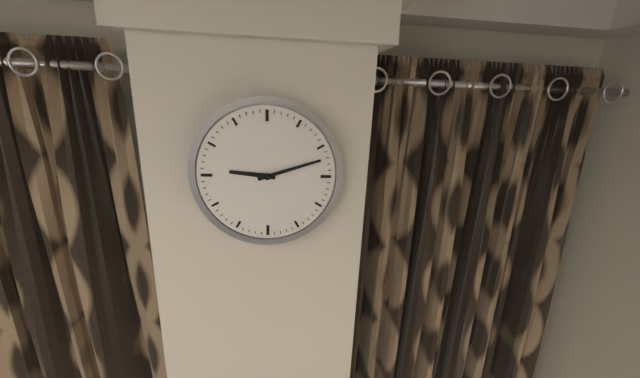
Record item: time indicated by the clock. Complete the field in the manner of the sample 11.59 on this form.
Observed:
9.12
